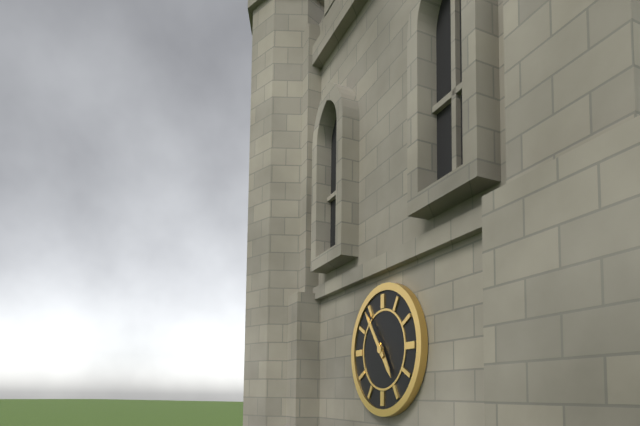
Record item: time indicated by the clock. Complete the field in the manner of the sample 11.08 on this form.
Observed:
4.54
